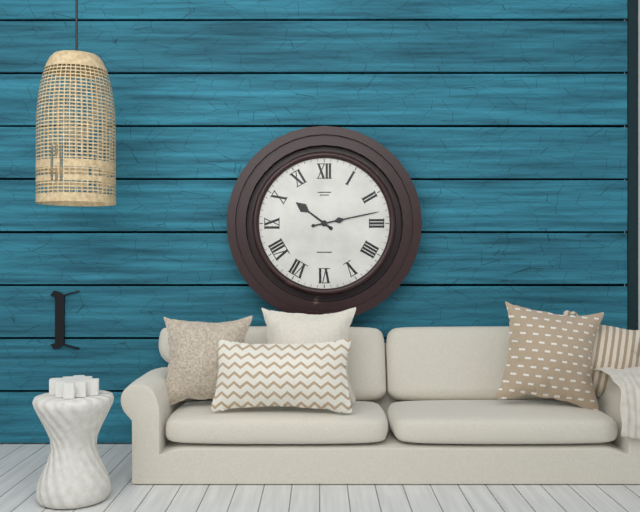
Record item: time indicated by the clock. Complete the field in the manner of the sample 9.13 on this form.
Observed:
10.13
